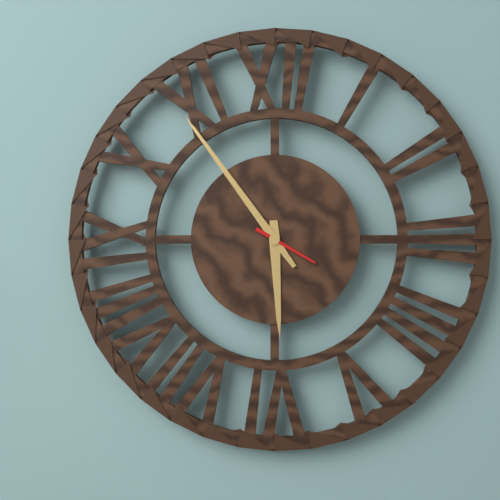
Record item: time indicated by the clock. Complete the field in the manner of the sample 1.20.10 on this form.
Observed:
5.54.20
